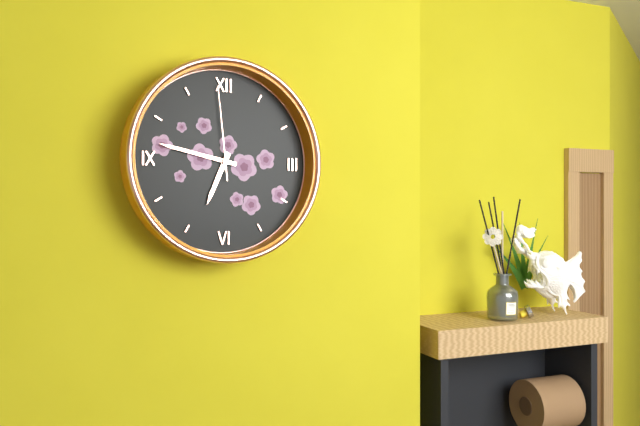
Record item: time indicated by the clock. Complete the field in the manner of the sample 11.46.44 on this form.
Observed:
6.47.59
